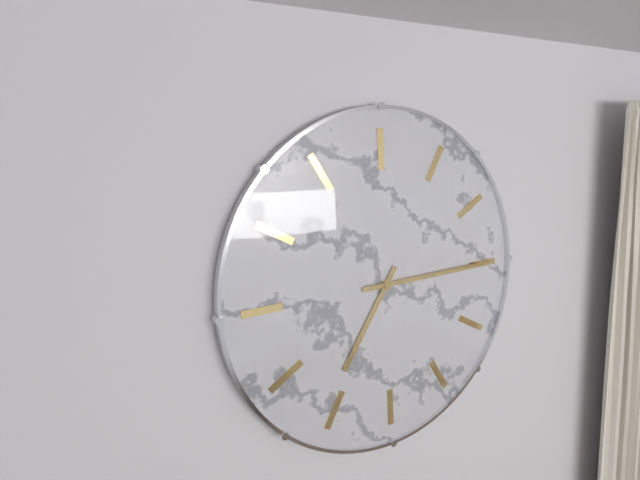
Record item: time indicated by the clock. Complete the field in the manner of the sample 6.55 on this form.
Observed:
6.10
